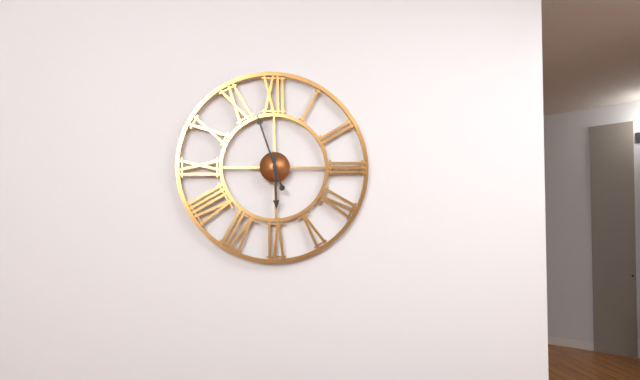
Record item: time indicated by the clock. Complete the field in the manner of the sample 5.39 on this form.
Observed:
5.57
